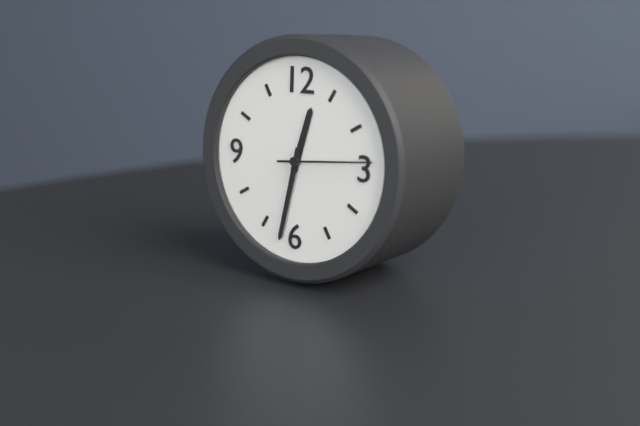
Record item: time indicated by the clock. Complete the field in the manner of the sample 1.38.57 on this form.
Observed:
12.32.14
